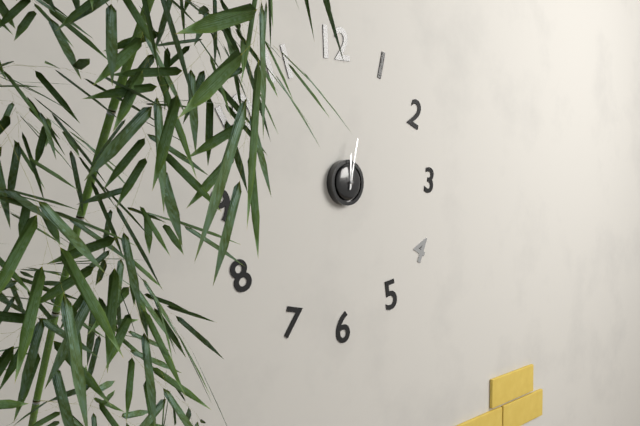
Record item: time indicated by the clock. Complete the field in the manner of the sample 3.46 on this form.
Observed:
12.02
